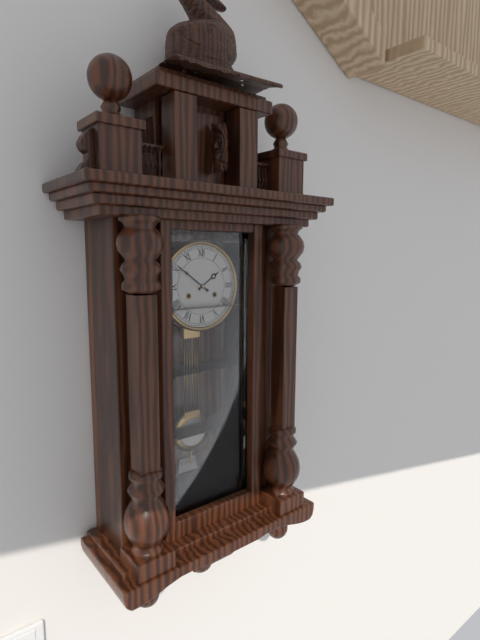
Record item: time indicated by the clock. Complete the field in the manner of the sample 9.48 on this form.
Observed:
1.51
